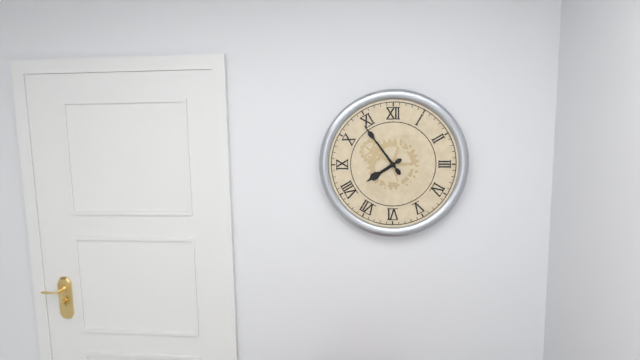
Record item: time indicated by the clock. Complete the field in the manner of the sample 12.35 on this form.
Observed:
7.54
